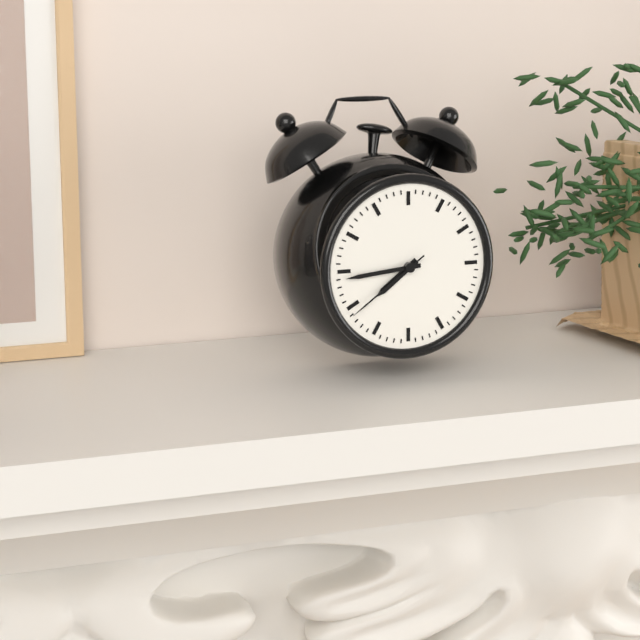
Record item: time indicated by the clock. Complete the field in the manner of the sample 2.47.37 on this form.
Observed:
7.44.39
